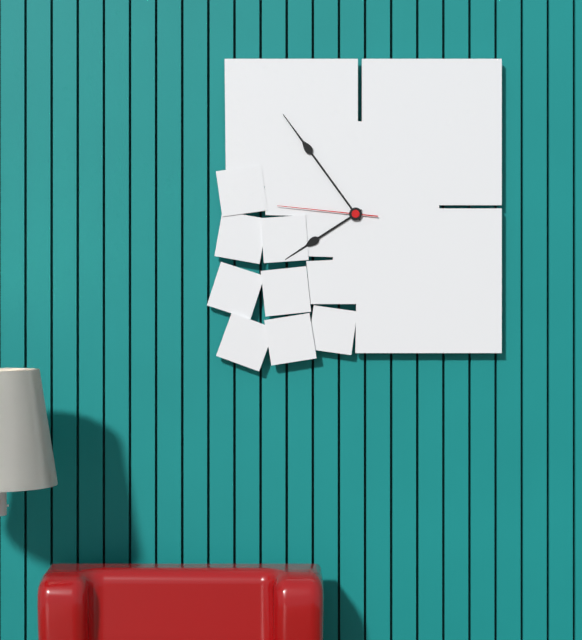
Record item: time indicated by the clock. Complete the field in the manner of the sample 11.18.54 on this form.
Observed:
7.54.46
